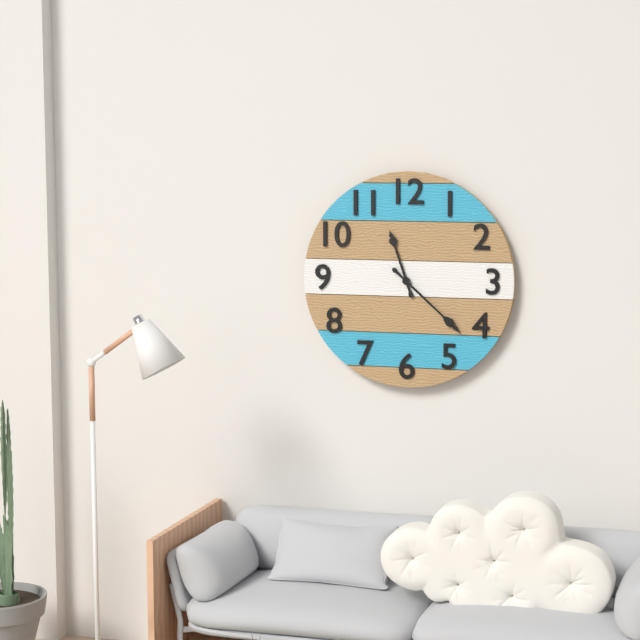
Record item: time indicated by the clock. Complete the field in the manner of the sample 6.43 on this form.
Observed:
11.22
